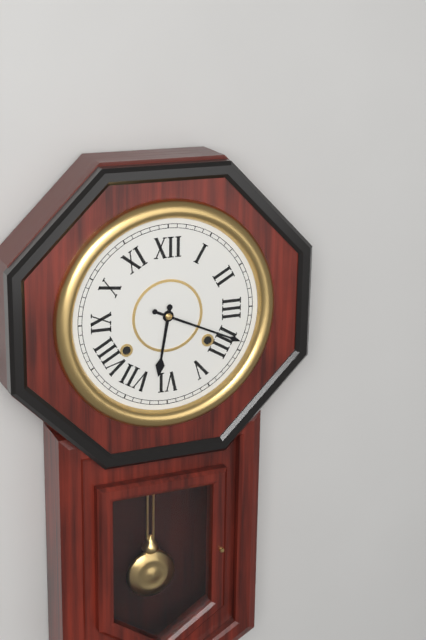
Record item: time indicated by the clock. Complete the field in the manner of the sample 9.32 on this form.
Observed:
6.19
